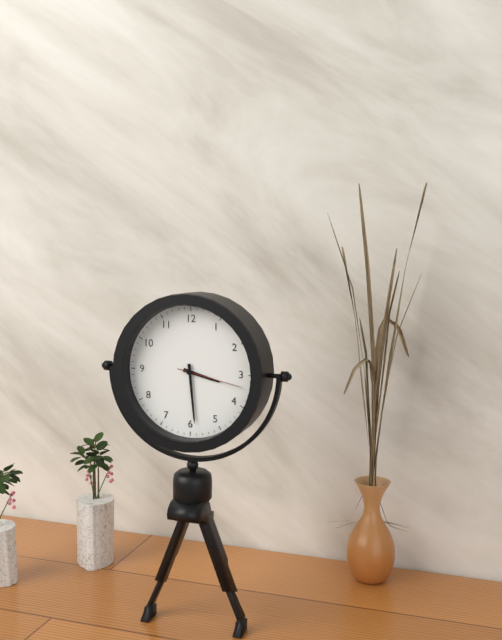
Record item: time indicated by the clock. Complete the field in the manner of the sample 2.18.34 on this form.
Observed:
3.29.17
